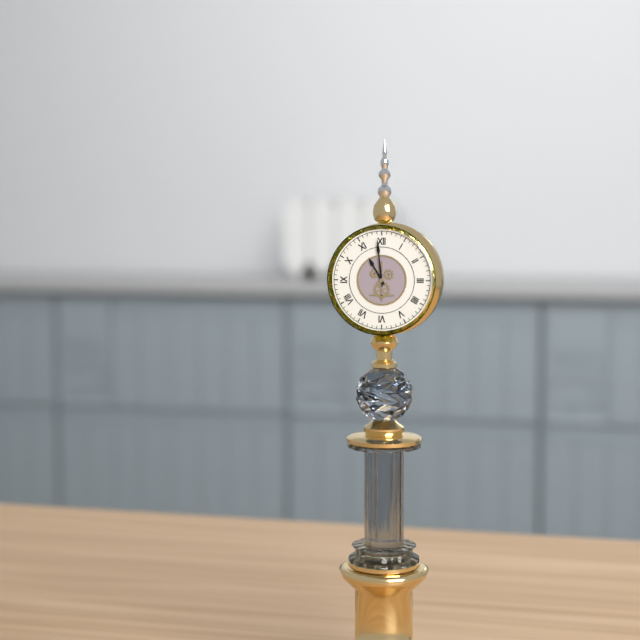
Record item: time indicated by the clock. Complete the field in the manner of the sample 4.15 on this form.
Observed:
10.59
